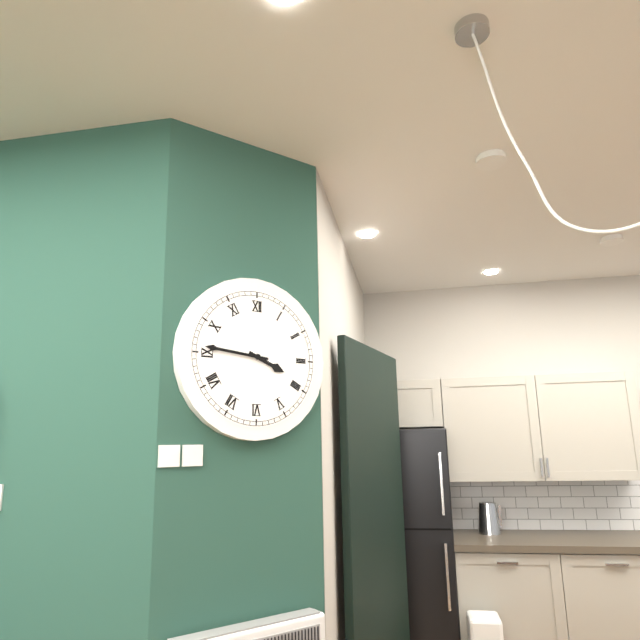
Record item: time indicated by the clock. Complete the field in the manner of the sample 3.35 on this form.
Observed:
3.46
